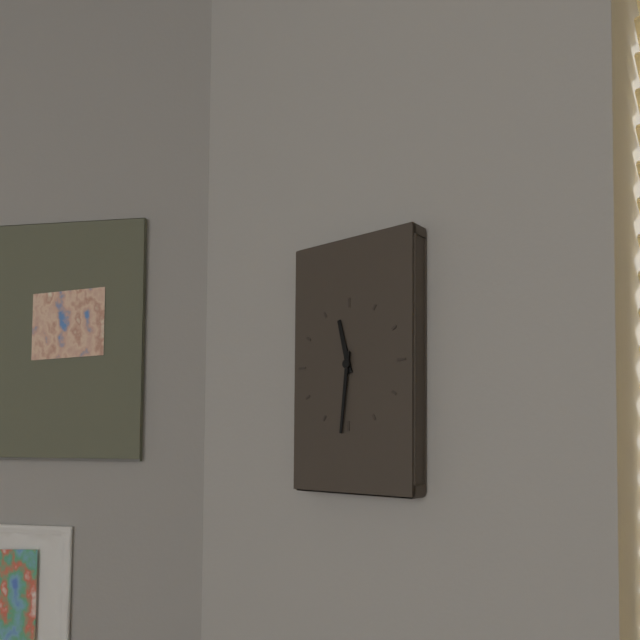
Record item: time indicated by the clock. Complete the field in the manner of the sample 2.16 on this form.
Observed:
11.31
